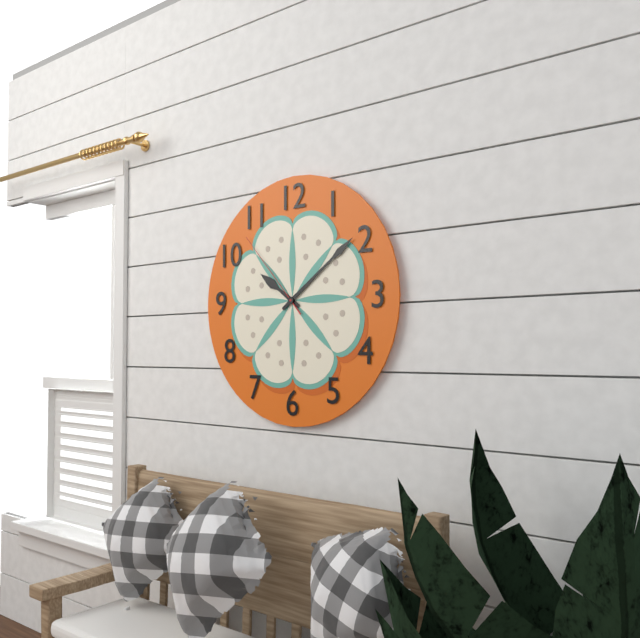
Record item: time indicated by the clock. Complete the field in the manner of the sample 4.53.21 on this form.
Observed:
10.09.53
